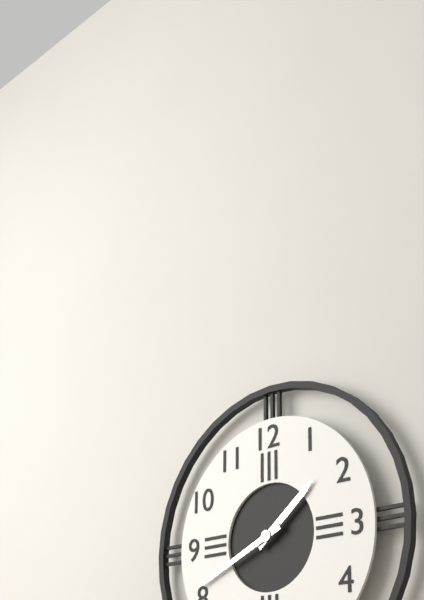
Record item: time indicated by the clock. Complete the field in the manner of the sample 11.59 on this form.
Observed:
1.41
